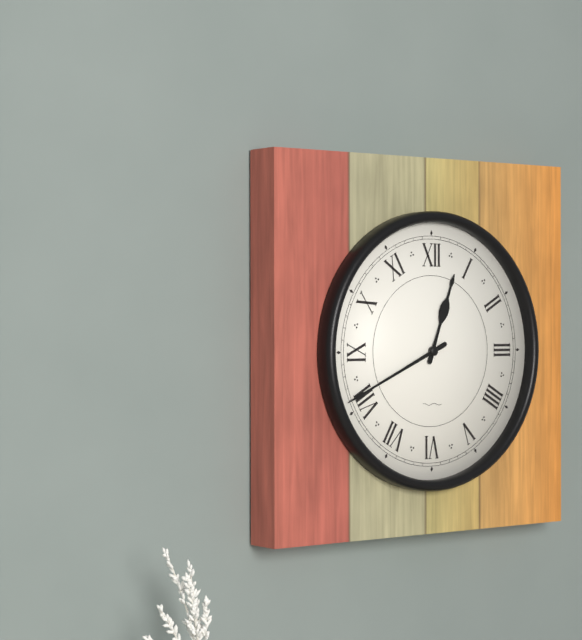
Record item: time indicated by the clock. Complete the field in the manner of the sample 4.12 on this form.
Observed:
12.41
